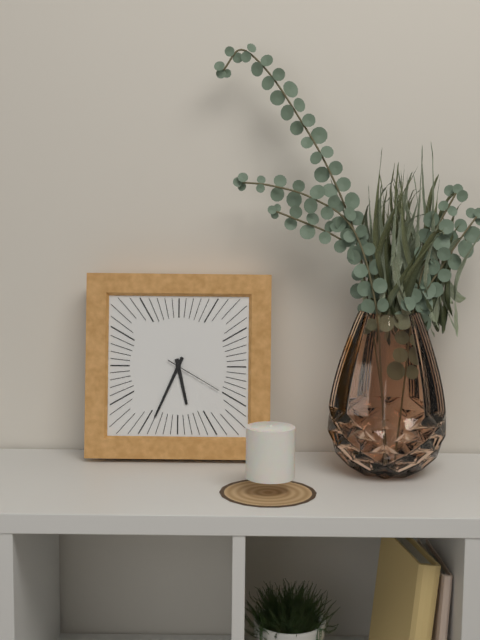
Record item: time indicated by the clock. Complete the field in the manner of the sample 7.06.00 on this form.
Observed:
5.34.20
